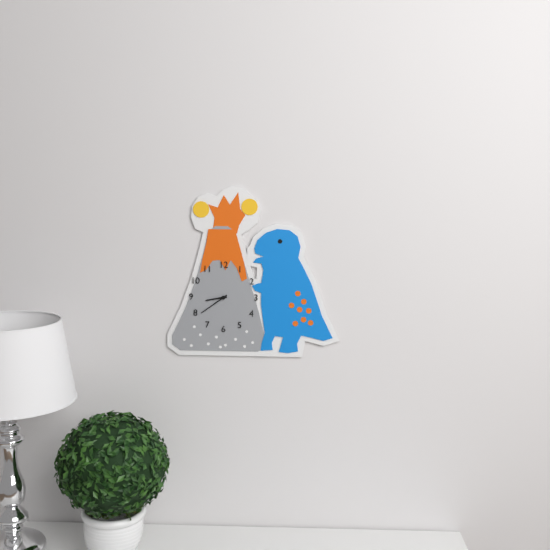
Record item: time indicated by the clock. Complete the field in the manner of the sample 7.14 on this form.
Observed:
8.39
